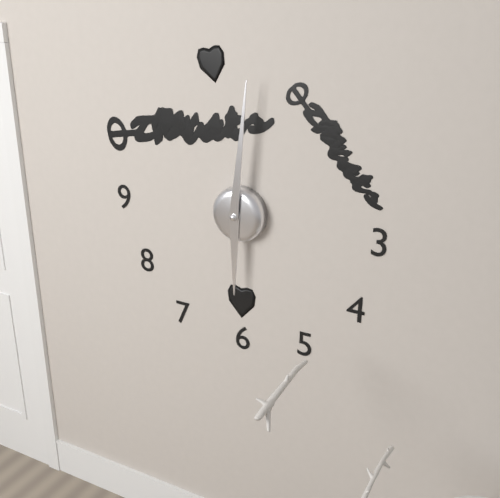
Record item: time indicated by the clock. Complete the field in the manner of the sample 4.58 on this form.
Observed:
6.01
